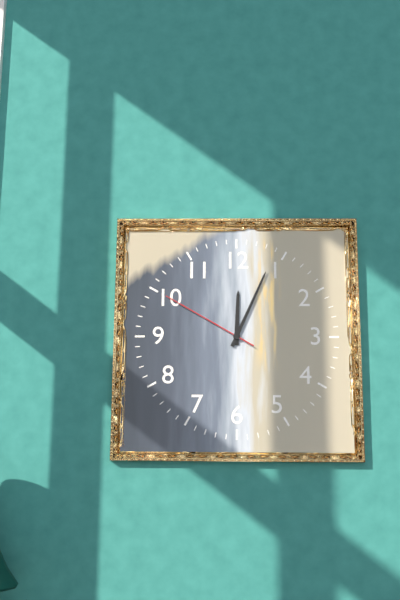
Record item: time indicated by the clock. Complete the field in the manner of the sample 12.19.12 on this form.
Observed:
12.04.50
